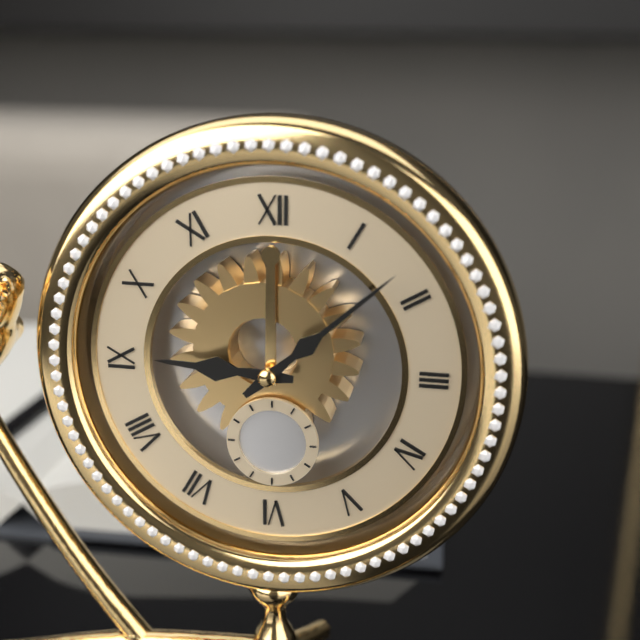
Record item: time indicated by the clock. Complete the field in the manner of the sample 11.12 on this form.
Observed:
9.08
